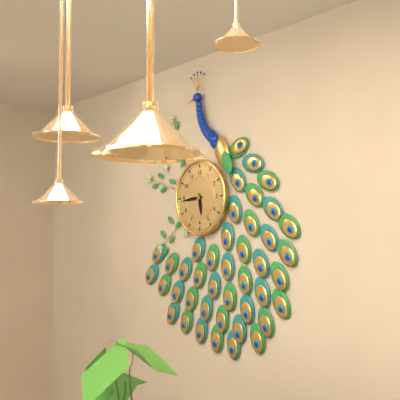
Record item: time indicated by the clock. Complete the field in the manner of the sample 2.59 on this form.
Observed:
5.44
